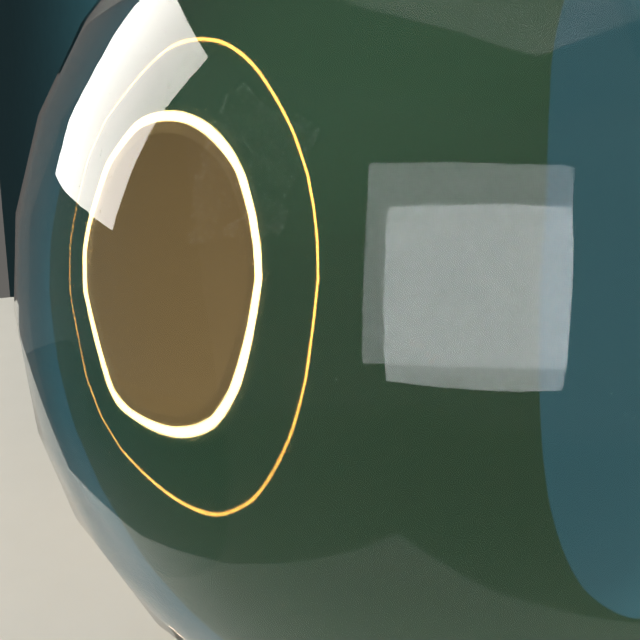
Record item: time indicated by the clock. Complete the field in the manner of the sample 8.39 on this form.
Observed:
7.30
